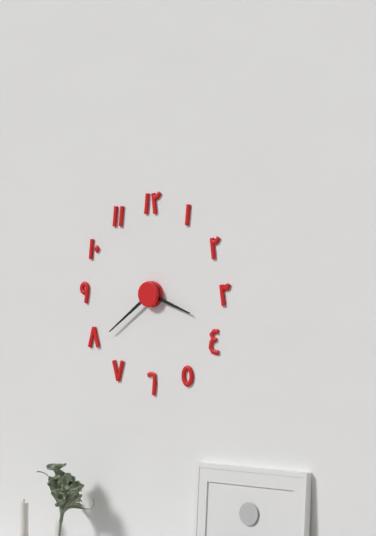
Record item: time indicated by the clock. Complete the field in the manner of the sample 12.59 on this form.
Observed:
3.39
